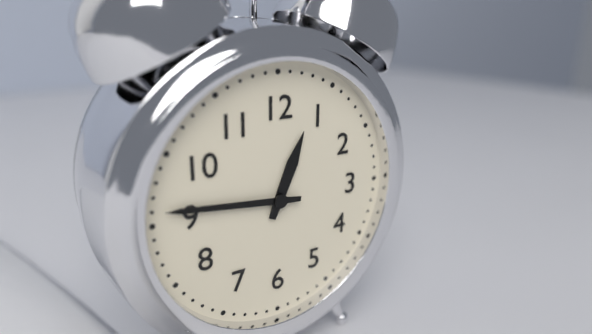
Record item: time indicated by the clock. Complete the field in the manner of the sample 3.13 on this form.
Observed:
12.46
